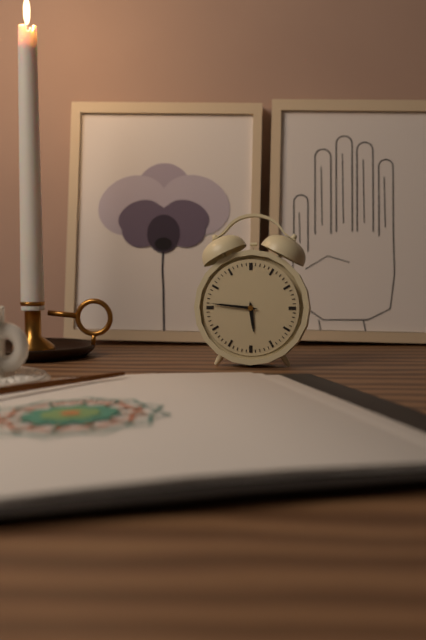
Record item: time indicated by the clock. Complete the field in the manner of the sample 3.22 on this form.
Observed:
5.46
